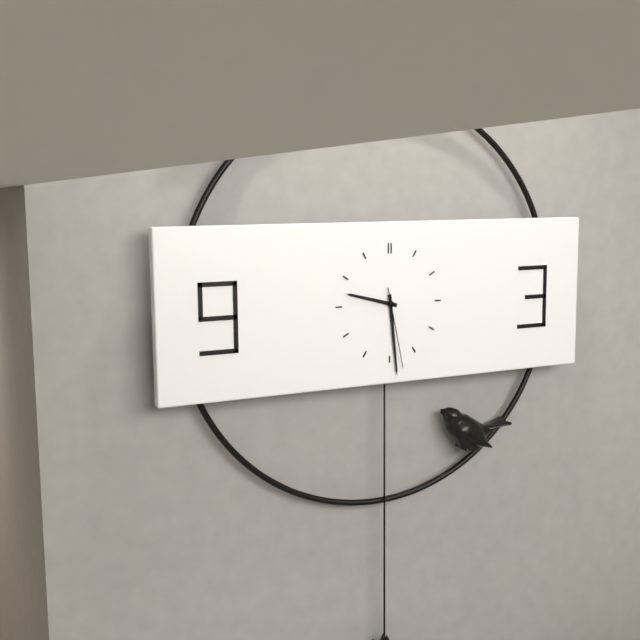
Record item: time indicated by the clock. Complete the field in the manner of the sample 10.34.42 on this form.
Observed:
9.29.28
